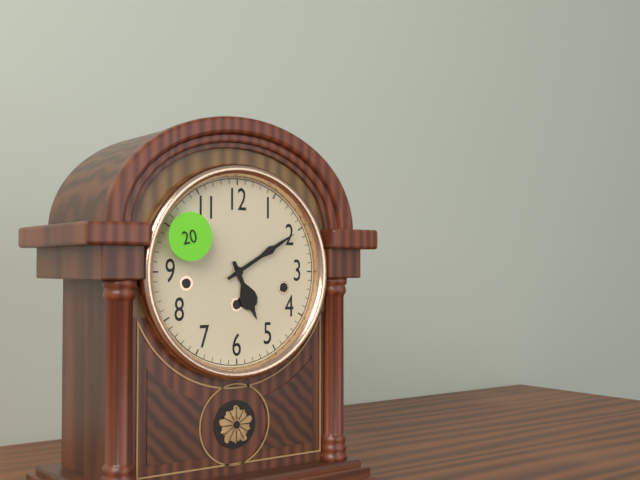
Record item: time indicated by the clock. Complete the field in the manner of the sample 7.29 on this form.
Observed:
5.10
